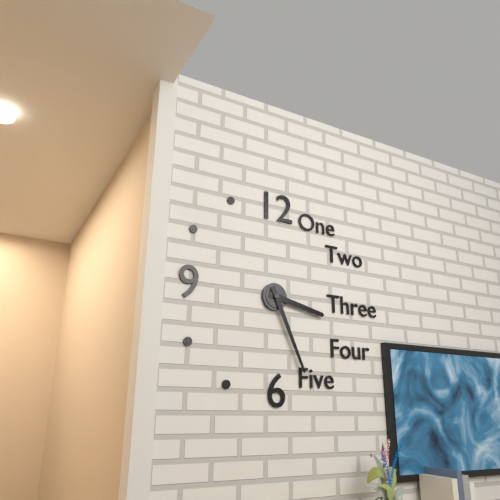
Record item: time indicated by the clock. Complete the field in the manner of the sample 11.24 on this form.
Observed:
3.26
